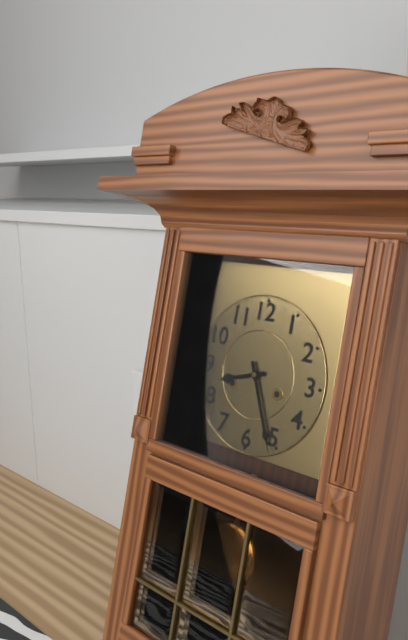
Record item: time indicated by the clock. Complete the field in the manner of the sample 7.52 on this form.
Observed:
8.26
